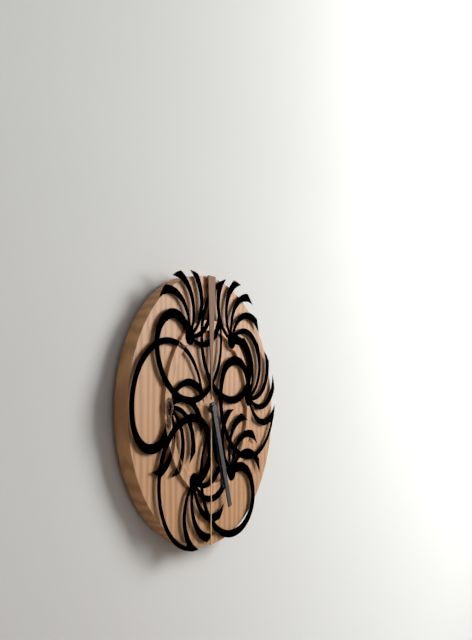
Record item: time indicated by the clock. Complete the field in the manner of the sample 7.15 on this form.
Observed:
5.27
